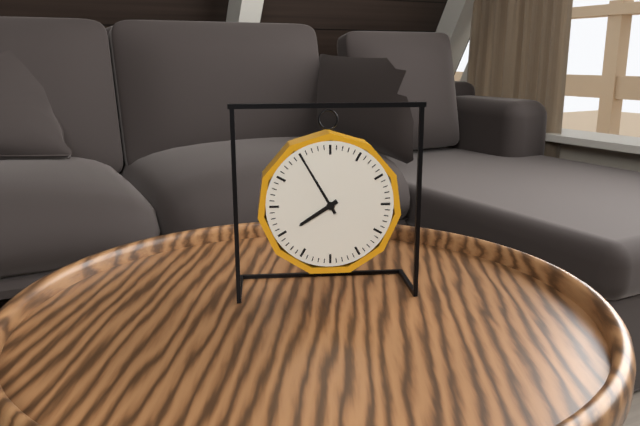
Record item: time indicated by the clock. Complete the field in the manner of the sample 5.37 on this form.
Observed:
7.55
